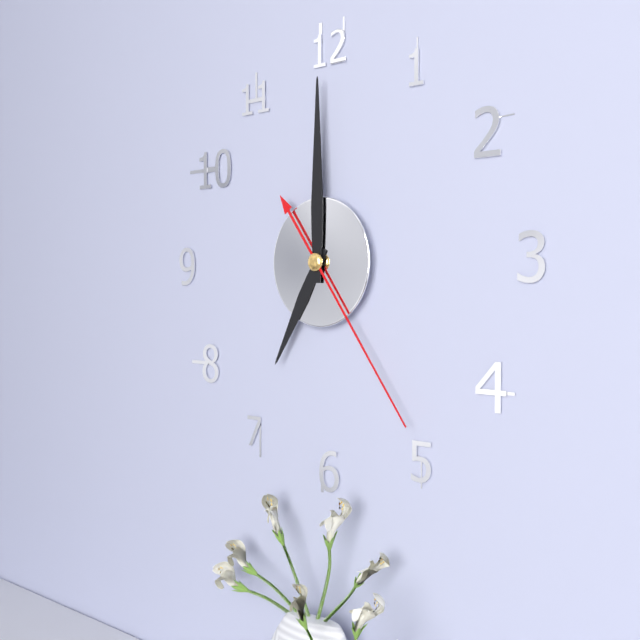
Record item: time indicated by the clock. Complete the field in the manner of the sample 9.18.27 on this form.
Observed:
7.00.24
